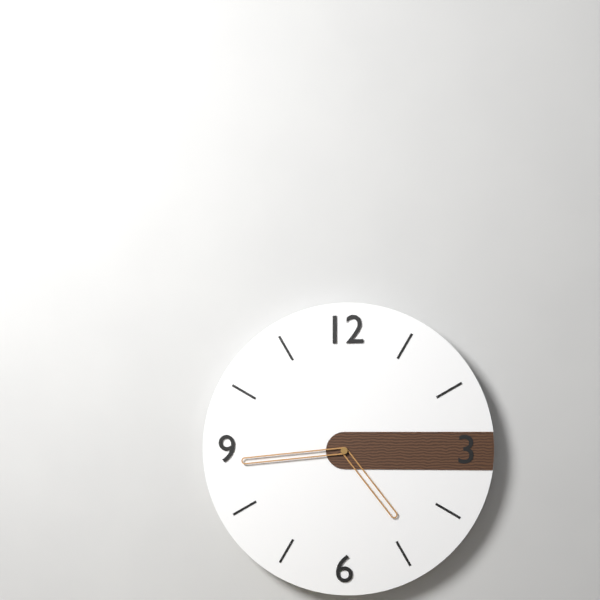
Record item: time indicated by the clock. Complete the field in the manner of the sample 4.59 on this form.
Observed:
4.44
